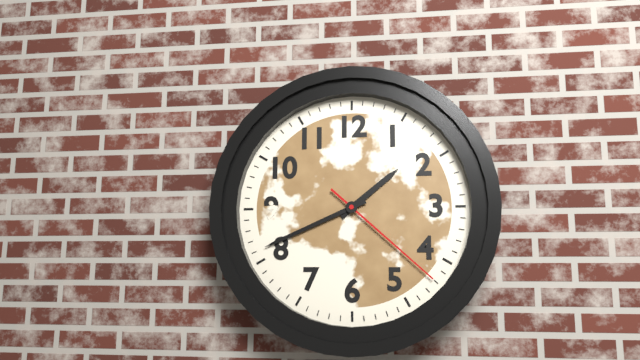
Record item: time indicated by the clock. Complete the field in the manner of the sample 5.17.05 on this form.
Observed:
1.41.22
